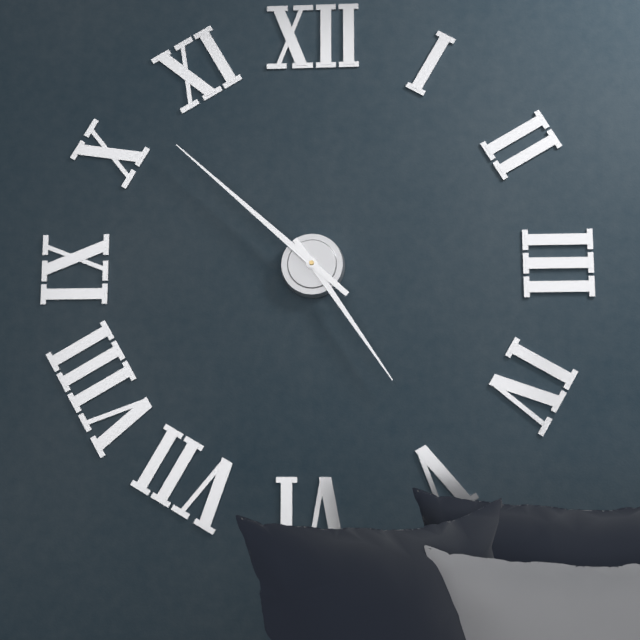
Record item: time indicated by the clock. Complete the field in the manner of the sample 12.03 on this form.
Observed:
4.52
